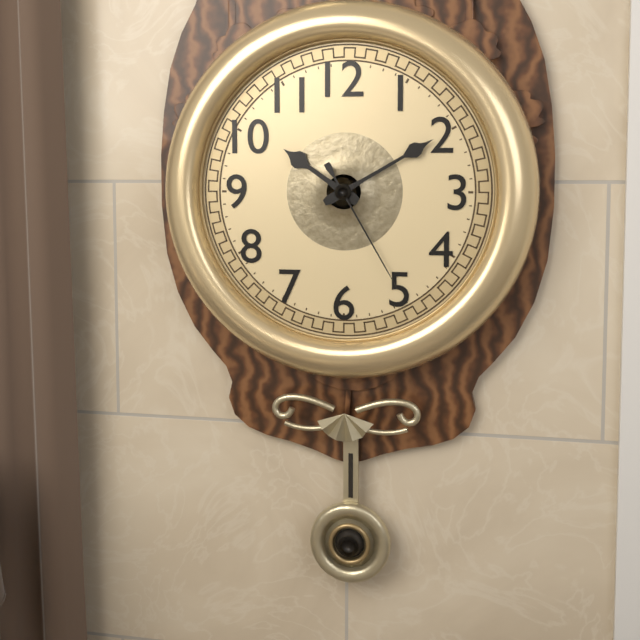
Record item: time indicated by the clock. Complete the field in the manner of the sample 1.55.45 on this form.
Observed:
10.10.25
